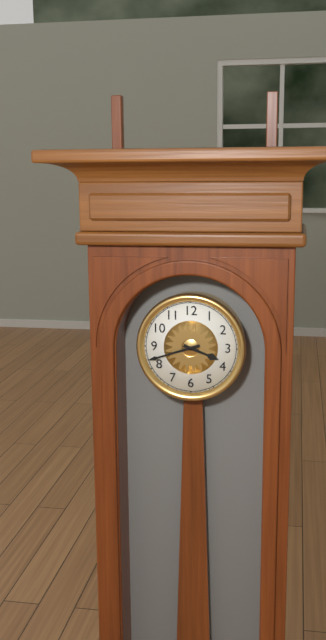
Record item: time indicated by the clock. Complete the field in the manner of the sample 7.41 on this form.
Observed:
3.42
